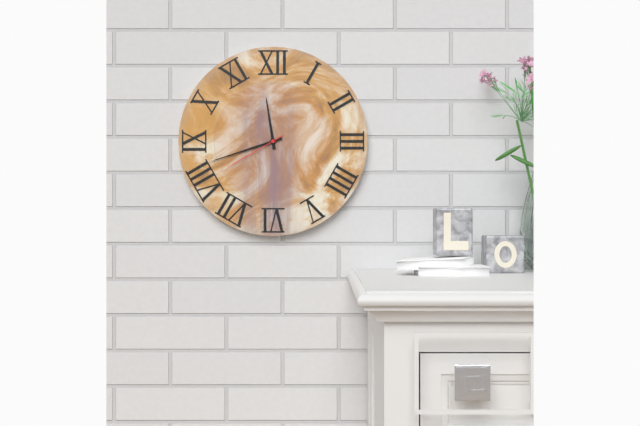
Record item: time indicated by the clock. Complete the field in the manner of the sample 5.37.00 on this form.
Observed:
11.42.40
